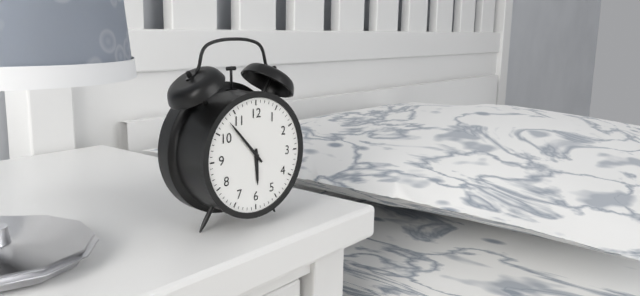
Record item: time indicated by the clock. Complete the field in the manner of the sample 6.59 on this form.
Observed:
5.53
